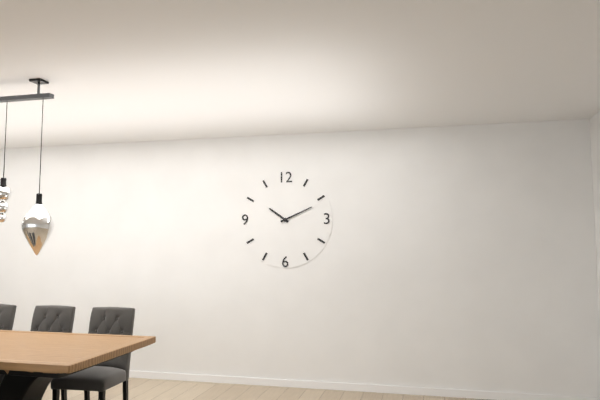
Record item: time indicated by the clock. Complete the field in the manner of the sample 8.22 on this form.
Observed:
10.11
